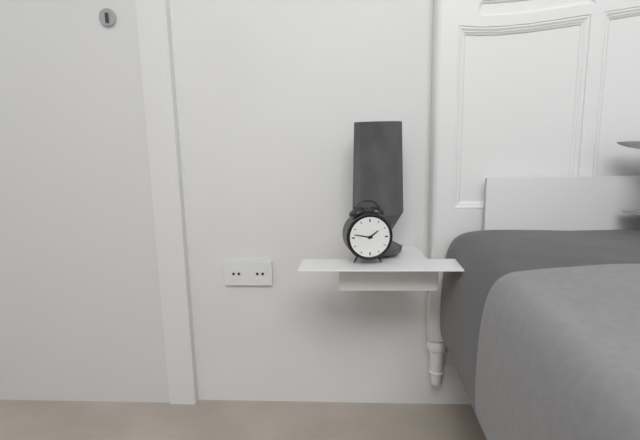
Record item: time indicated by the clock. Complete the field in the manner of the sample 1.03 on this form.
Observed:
1.47
